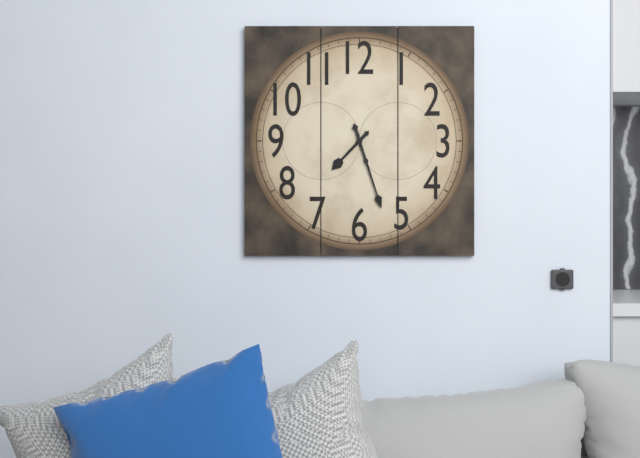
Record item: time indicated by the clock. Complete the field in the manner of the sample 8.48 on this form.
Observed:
7.27
